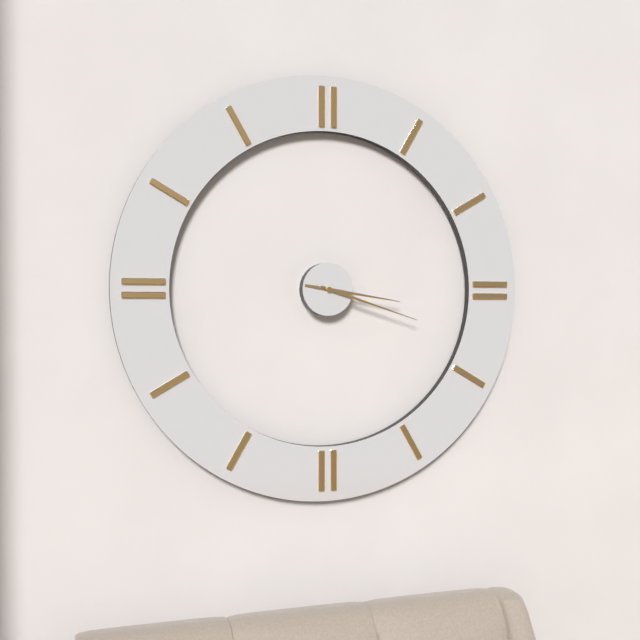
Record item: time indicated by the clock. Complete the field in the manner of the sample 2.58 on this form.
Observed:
3.18
